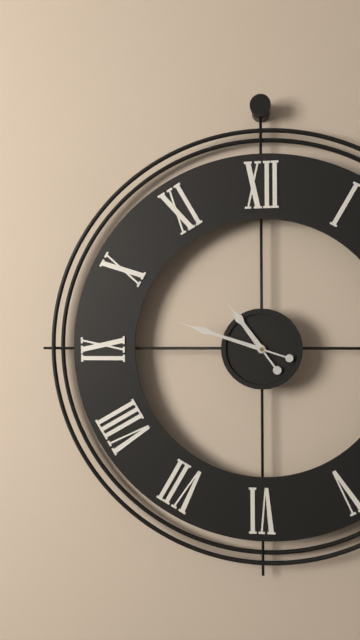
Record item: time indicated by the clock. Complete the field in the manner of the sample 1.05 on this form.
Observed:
10.48
